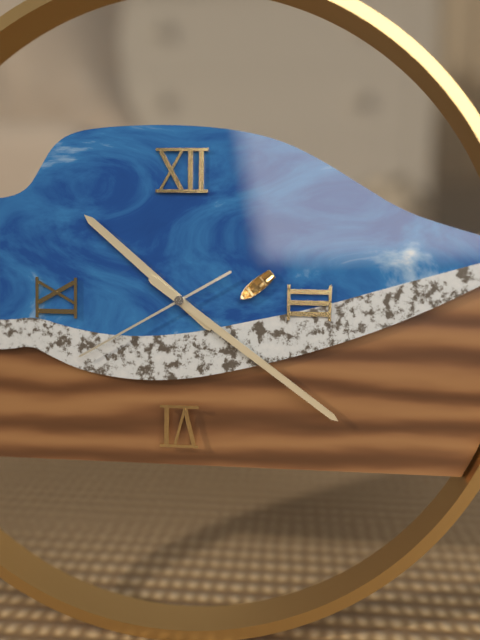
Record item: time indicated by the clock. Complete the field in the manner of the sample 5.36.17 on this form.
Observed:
10.21.40
